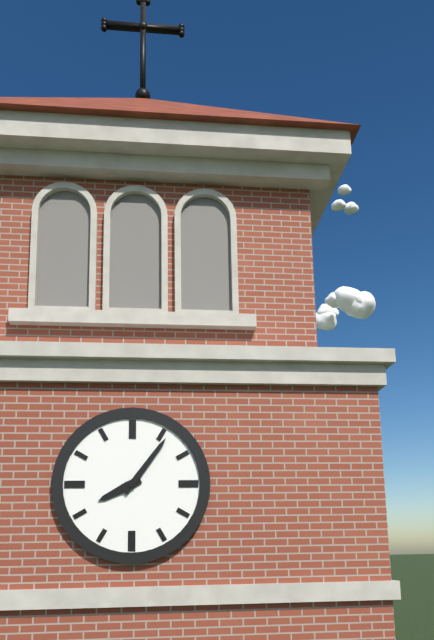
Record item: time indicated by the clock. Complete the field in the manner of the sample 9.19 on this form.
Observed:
8.06
